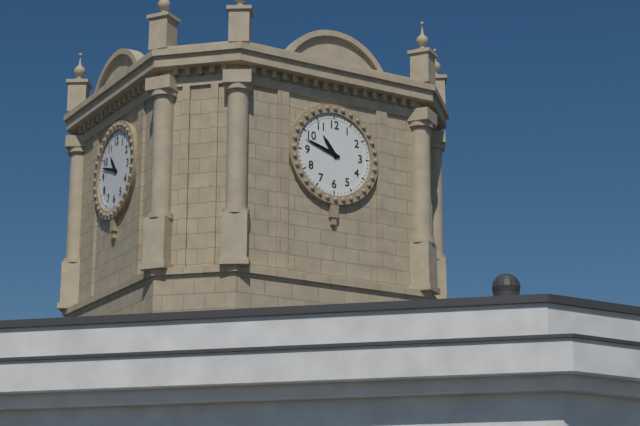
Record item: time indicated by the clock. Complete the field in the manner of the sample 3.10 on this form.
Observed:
10.48
